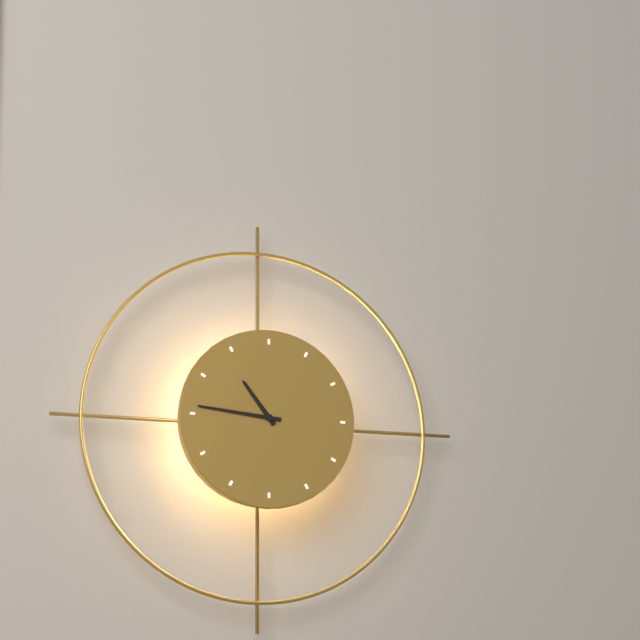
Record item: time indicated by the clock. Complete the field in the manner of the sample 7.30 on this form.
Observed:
10.46
